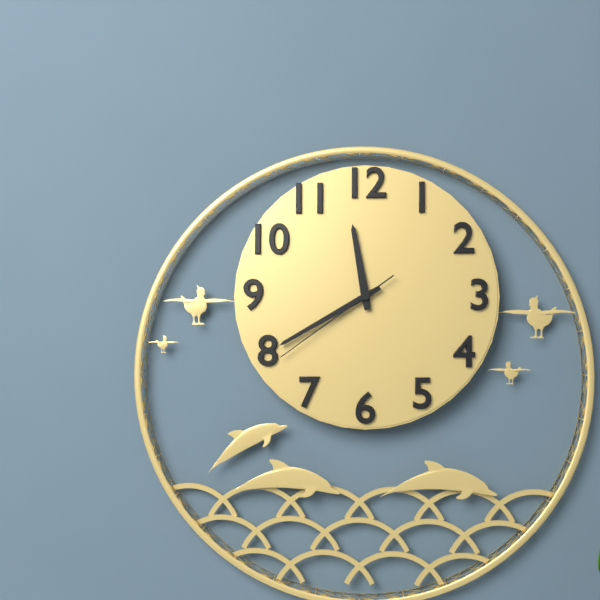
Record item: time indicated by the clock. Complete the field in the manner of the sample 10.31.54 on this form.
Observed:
11.40.39
